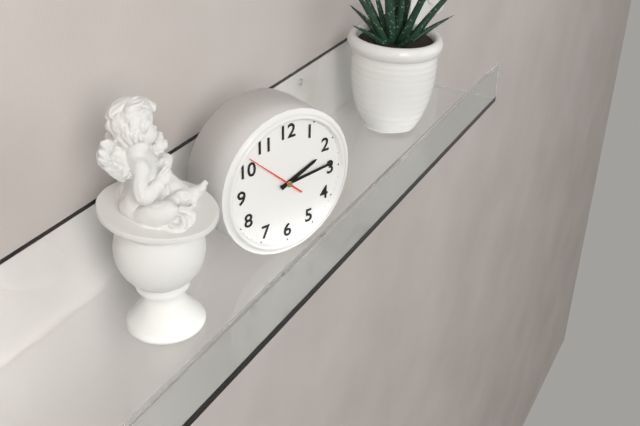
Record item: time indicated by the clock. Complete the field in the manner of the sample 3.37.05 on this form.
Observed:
2.14.52
